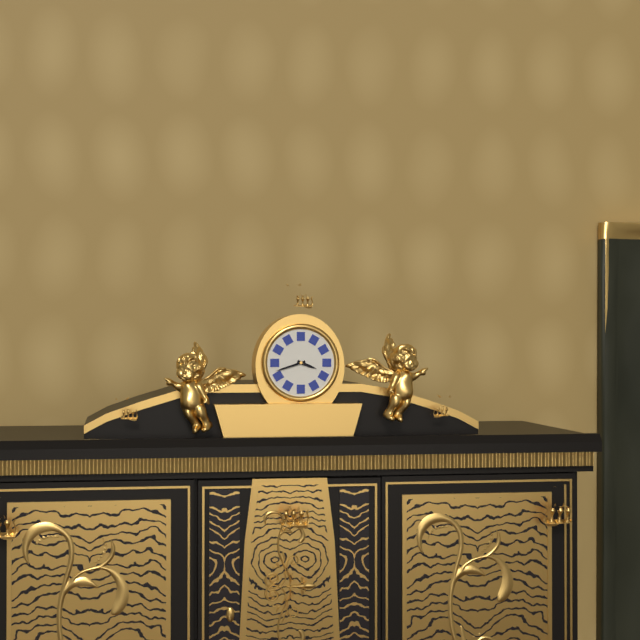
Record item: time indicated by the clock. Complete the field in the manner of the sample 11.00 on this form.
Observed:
3.42
